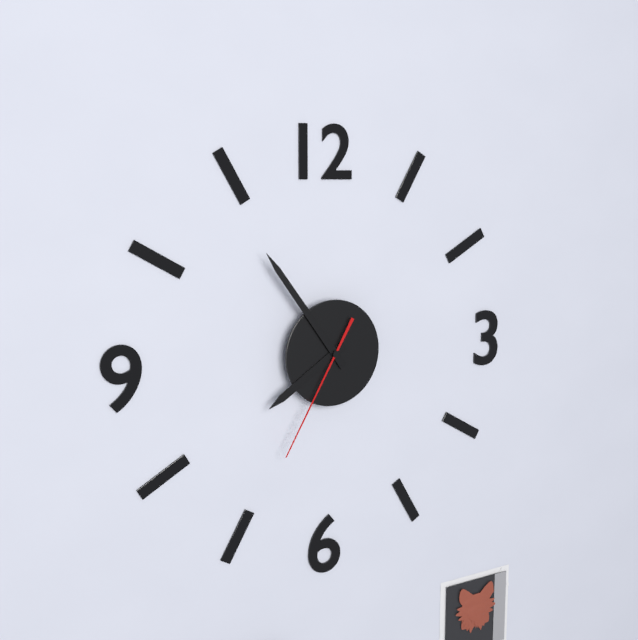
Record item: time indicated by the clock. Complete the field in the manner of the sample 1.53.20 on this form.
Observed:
7.54.35
